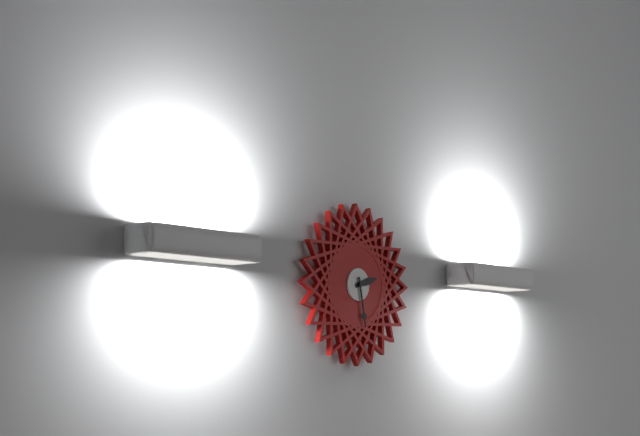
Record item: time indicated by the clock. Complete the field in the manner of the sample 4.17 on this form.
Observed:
2.28
